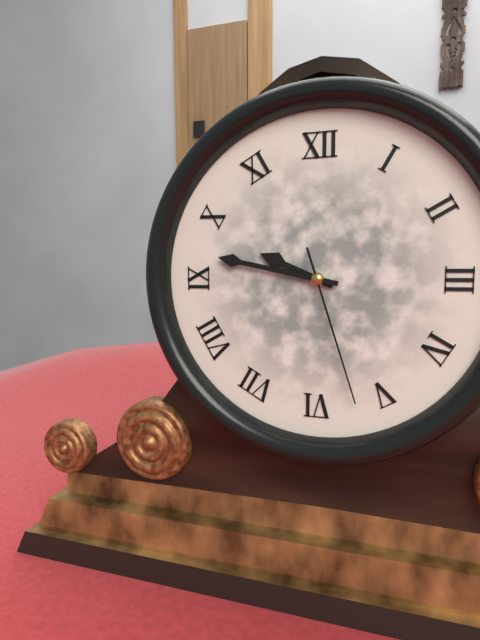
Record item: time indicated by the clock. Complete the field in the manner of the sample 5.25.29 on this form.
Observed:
9.47.27
